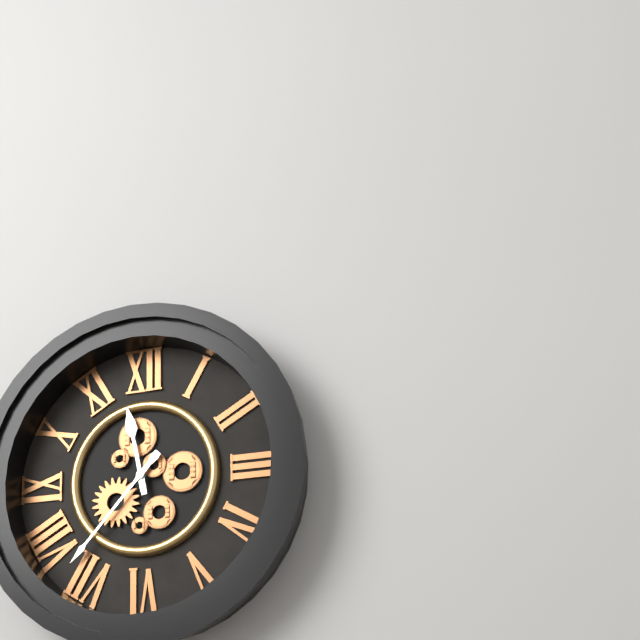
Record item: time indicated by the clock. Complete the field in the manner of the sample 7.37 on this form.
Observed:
11.37
